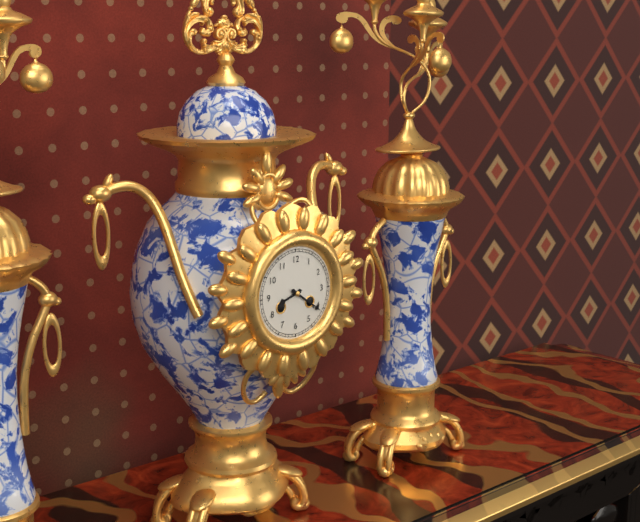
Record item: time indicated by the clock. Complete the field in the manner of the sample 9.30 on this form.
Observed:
8.21
